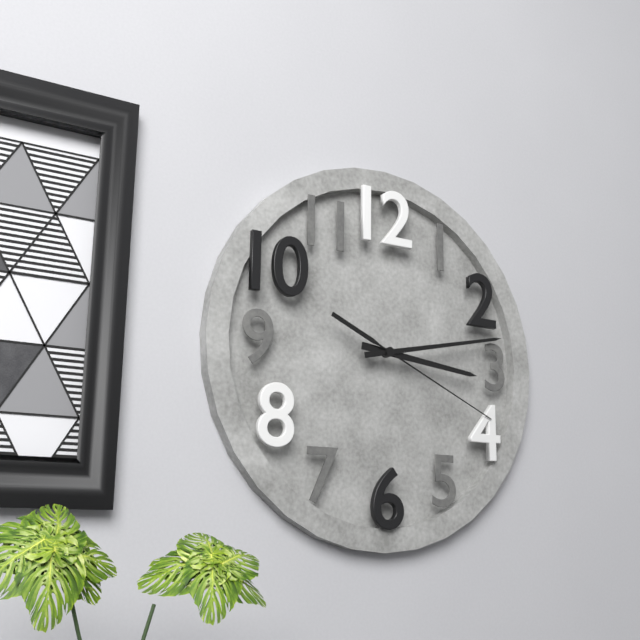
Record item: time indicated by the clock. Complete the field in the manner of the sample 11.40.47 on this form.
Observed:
3.13.19
